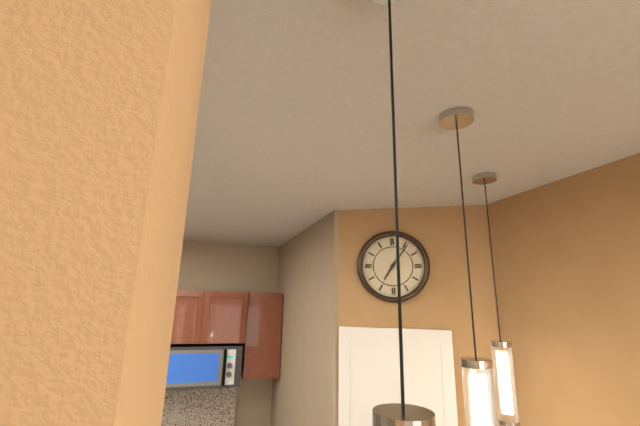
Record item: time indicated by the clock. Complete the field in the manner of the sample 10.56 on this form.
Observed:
7.06
